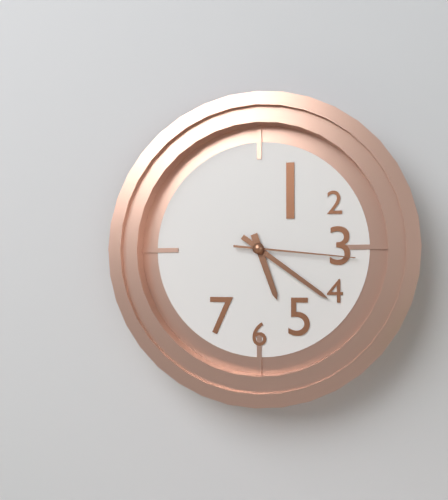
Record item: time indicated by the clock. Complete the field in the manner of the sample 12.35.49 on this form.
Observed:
5.21.16
